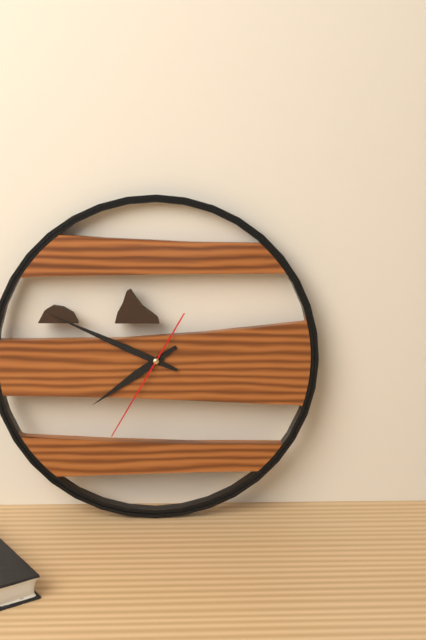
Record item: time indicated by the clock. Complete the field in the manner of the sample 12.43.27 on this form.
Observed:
7.49.35
